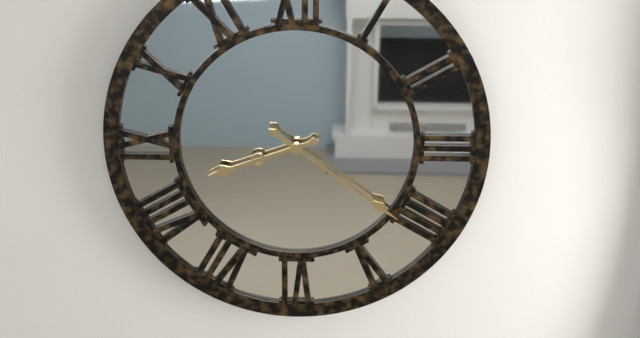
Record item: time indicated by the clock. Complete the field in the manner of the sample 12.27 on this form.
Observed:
8.21
